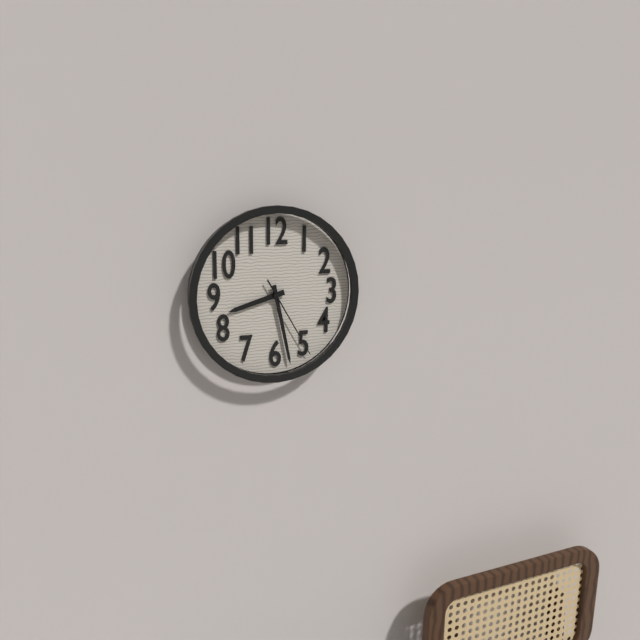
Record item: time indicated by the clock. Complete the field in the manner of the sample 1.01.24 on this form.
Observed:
8.28.25
